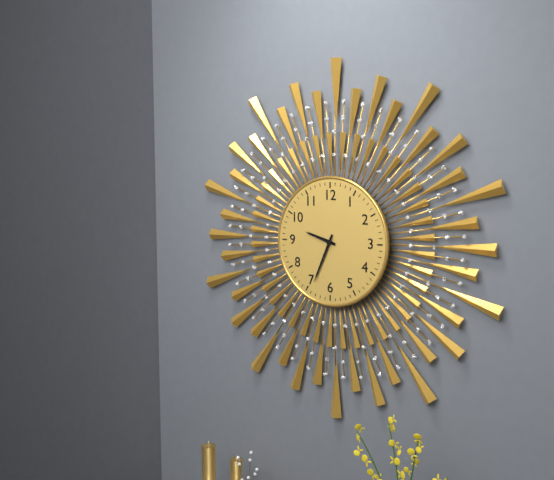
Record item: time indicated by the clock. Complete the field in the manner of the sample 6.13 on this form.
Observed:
9.34
